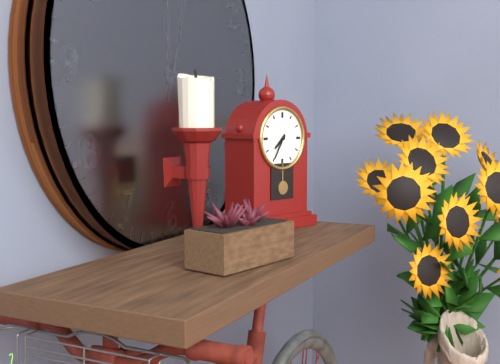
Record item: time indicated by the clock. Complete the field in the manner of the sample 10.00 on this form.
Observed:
7.35
